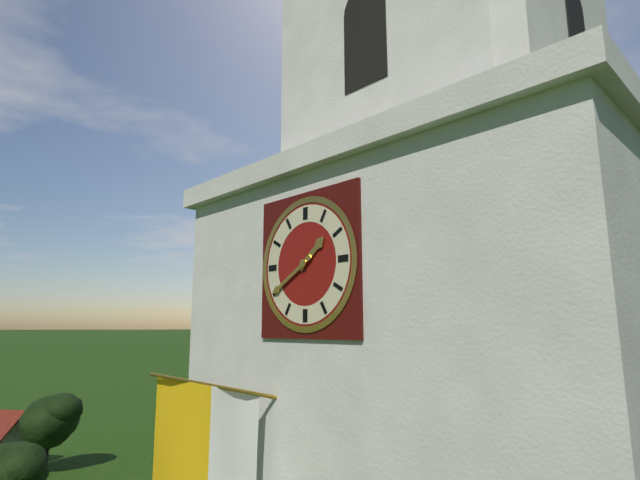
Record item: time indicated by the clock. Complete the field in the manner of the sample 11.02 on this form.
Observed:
1.40
